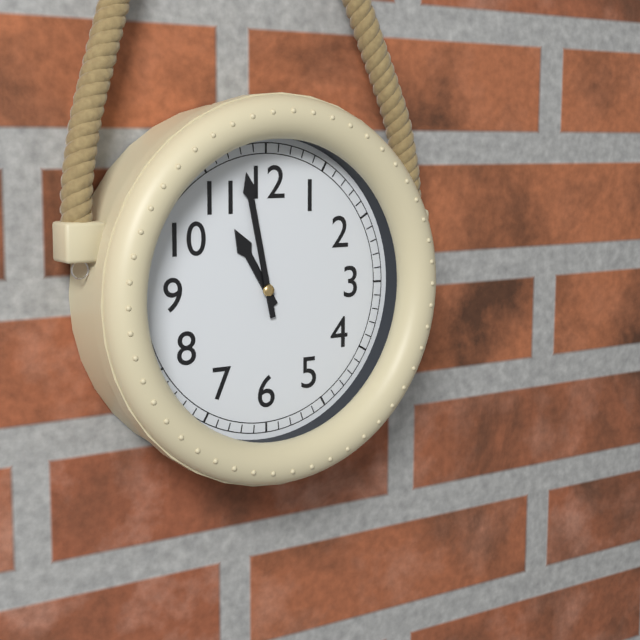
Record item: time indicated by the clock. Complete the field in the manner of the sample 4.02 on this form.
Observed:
10.58
